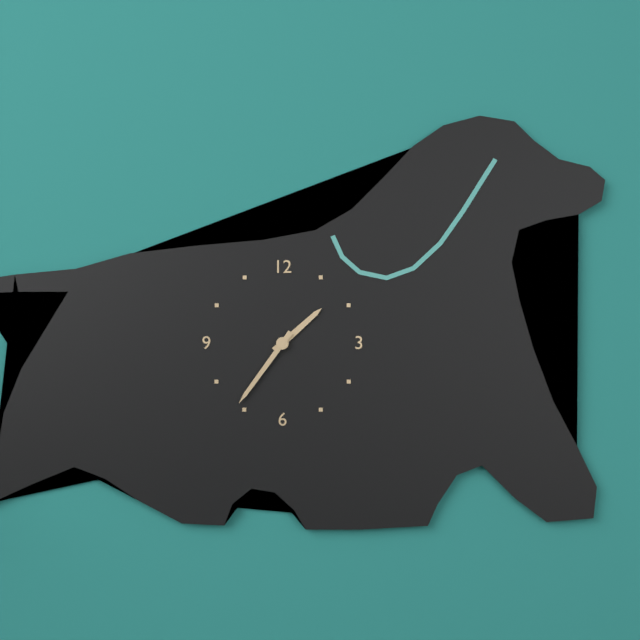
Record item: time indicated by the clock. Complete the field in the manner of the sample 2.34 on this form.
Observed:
1.36
